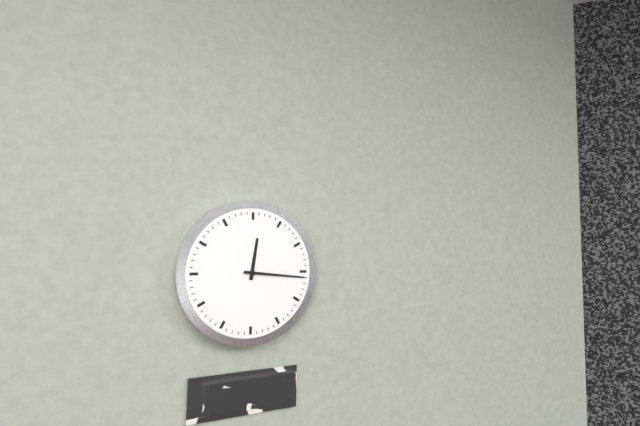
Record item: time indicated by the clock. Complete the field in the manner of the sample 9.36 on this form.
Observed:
12.16
